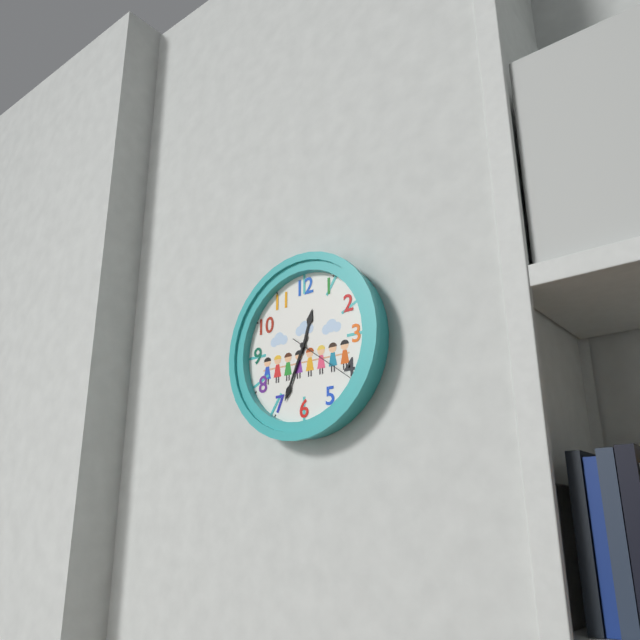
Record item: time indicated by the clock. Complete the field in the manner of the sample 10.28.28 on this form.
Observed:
12.34.21
